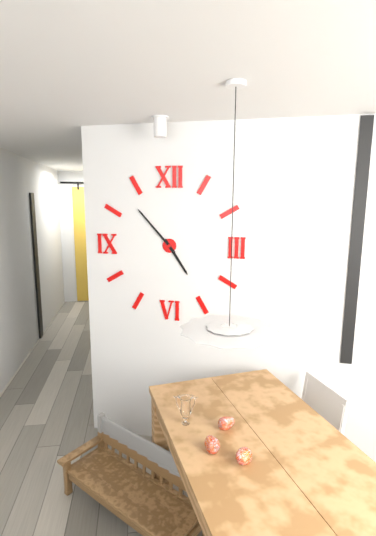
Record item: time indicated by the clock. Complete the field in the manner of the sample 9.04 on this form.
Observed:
4.53
